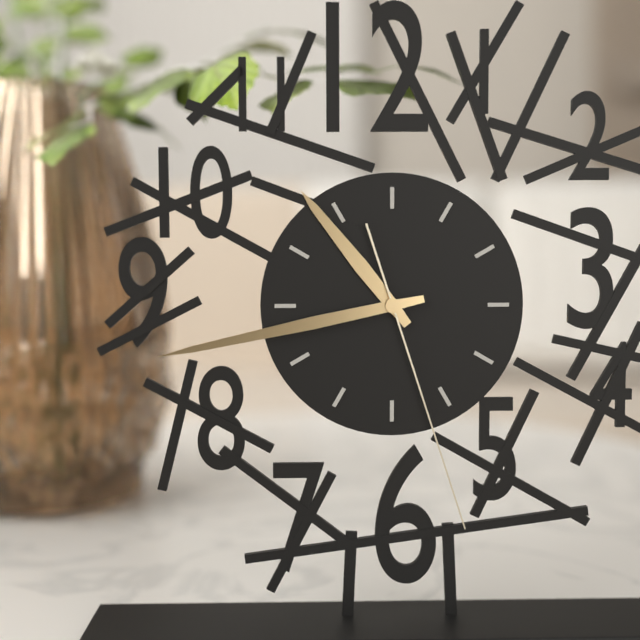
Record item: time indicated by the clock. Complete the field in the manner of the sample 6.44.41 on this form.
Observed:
10.43.27
